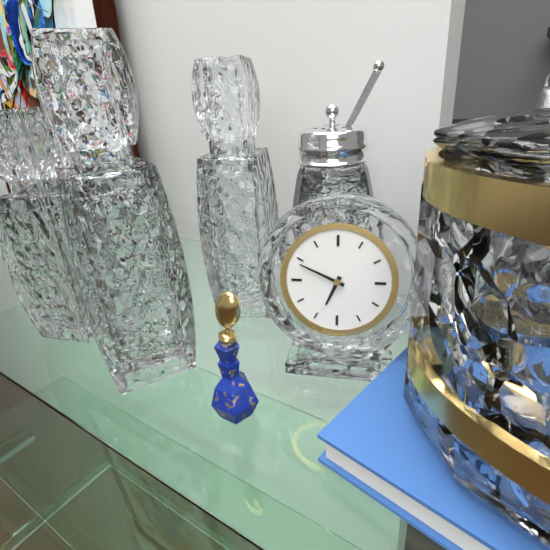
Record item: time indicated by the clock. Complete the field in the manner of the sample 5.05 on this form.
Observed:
6.49
